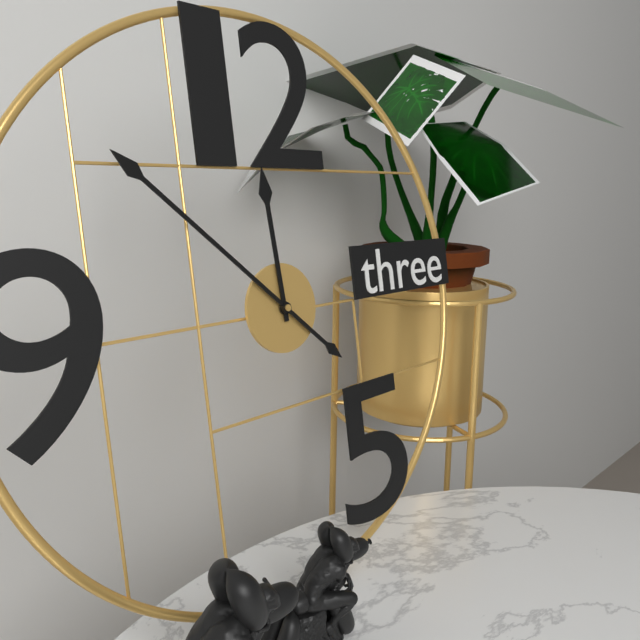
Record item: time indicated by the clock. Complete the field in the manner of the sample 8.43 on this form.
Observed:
11.52
